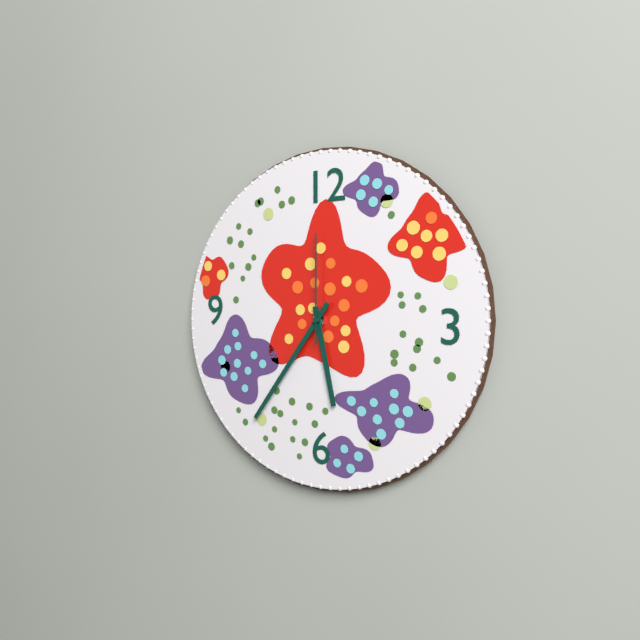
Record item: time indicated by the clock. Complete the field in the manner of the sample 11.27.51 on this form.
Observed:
5.36.00
